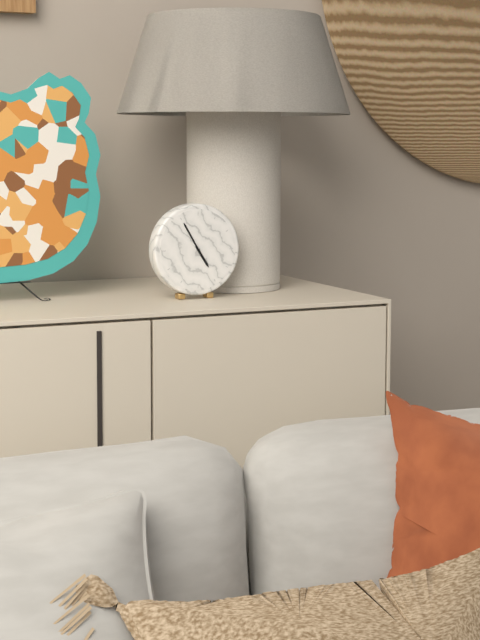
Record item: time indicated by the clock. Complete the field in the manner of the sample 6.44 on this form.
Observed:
4.55
